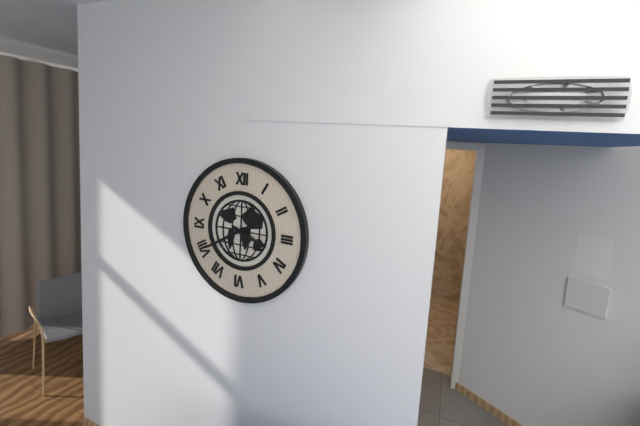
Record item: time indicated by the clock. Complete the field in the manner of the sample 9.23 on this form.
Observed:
3.40
